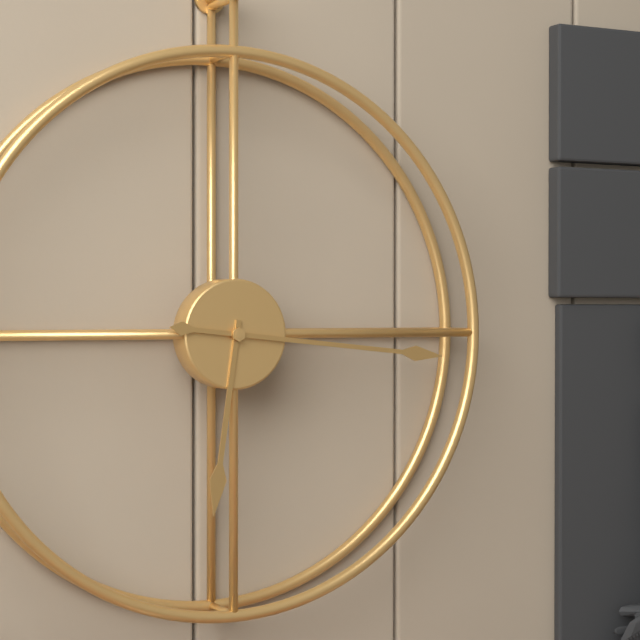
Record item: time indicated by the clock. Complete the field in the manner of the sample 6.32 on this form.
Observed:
6.16
